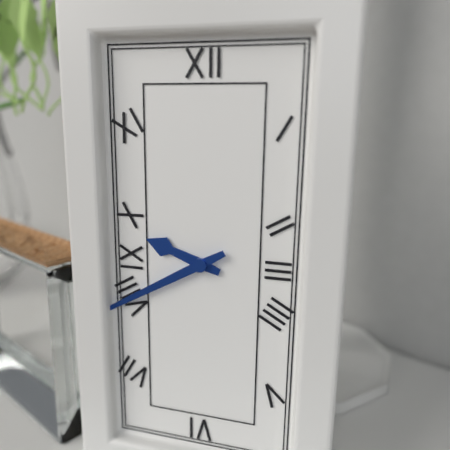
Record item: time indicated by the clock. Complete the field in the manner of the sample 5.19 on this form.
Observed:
9.40
